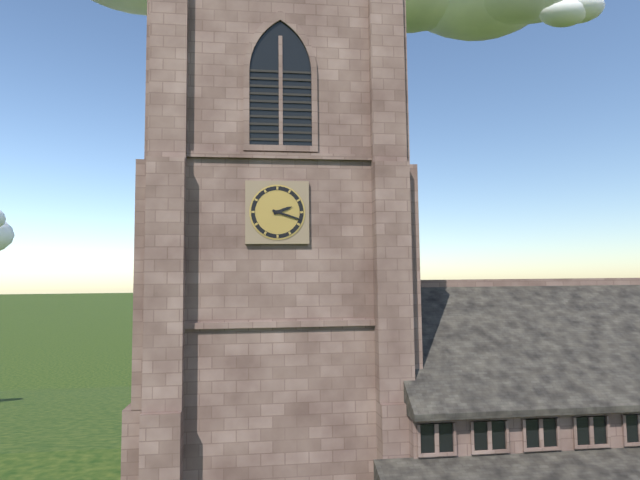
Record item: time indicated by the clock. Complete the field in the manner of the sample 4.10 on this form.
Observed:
2.18
